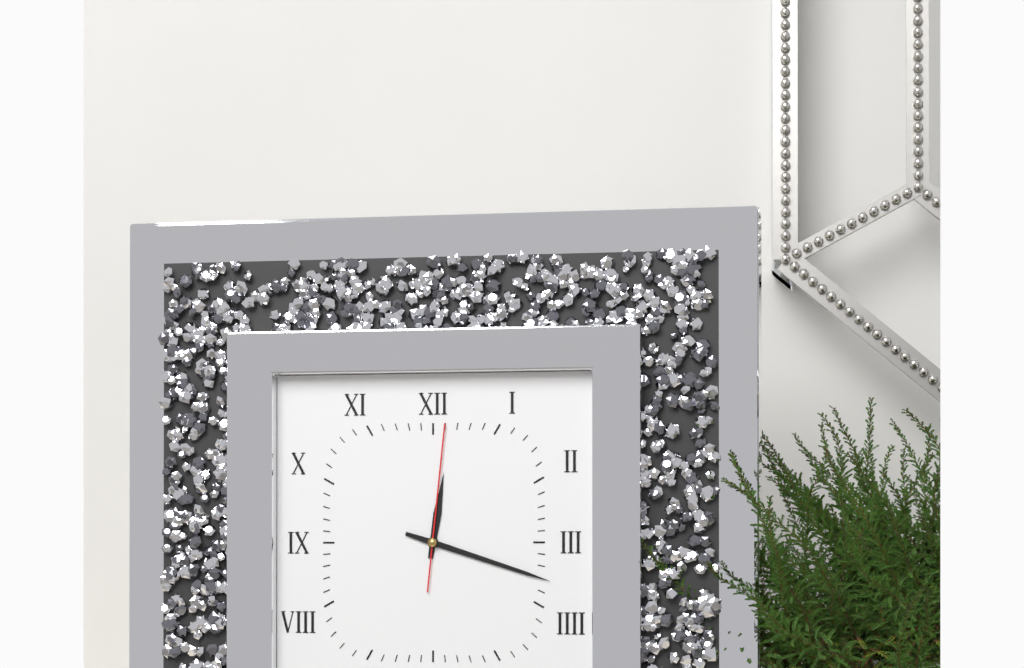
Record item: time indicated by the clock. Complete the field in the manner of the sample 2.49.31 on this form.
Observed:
12.18.01
